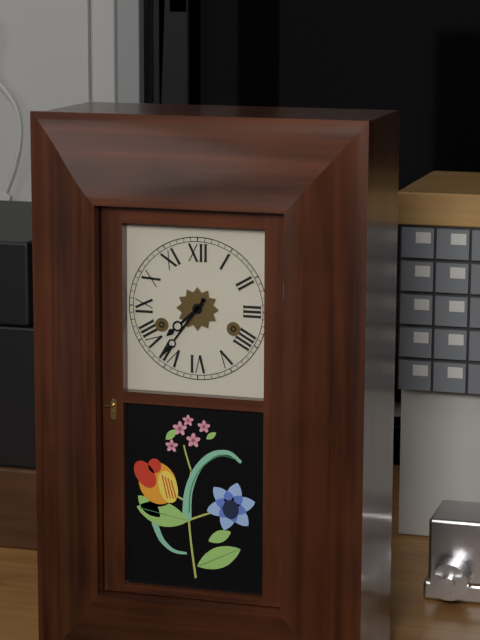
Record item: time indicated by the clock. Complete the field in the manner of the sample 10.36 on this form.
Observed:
7.36
